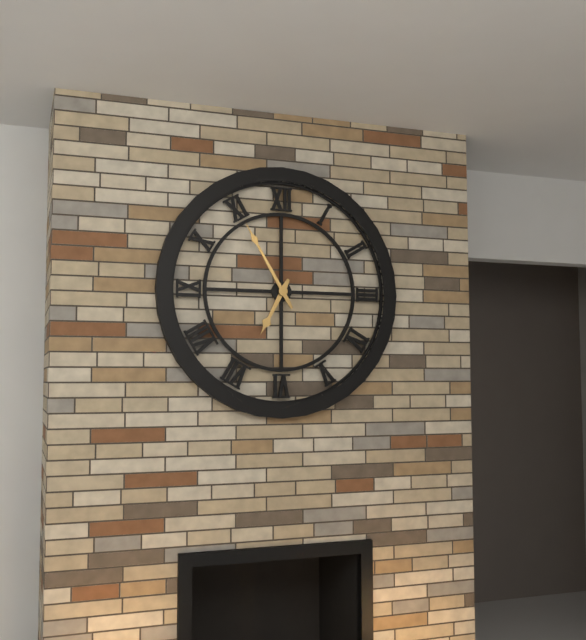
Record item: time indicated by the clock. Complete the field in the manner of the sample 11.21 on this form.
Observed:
6.55
